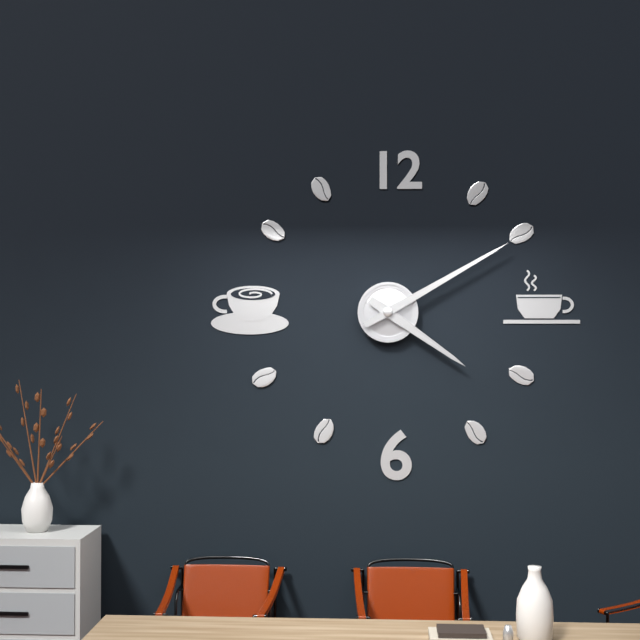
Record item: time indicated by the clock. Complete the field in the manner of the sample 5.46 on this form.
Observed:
4.10
